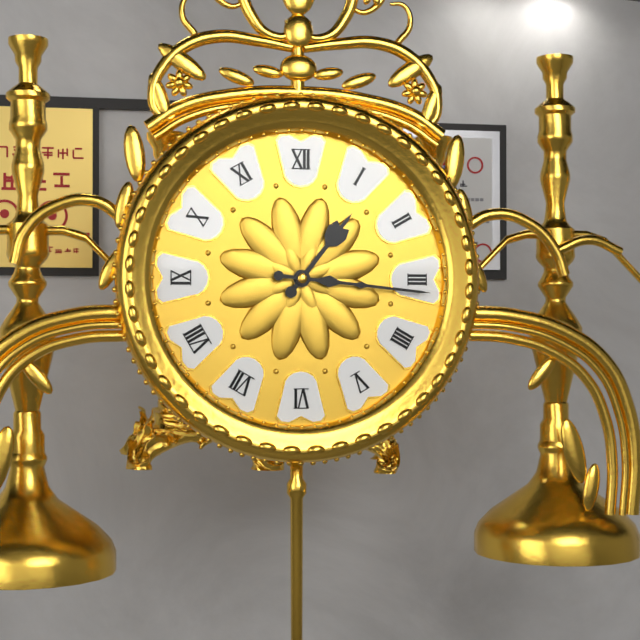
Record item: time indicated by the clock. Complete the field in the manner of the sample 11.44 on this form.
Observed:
1.16
